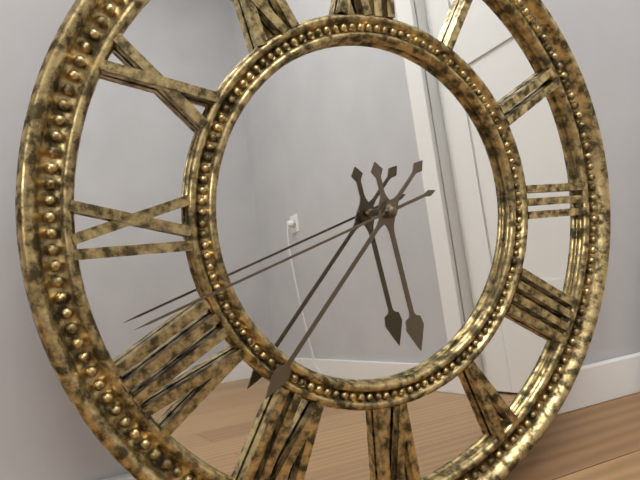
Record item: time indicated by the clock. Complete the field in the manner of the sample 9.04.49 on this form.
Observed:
5.37.42
